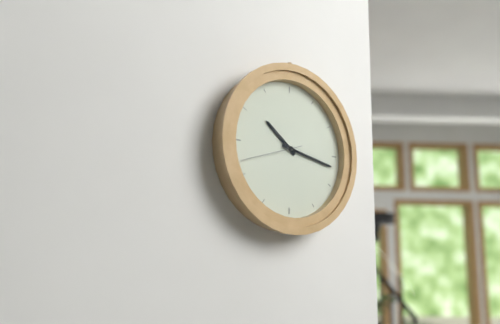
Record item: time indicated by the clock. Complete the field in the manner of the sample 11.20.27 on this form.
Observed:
10.17.42
